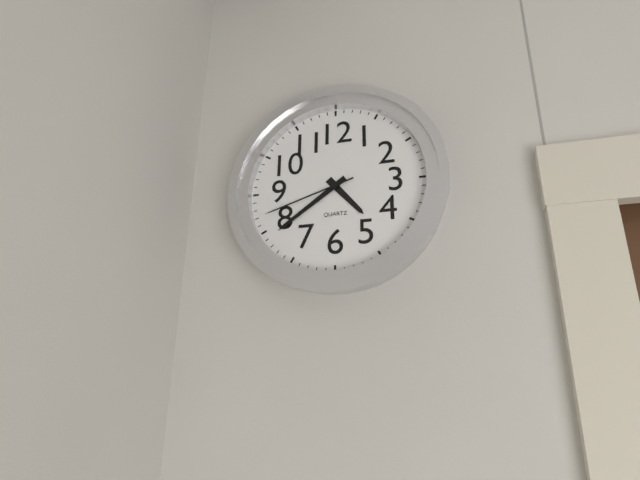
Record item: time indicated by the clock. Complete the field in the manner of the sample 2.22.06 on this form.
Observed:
4.39.42
